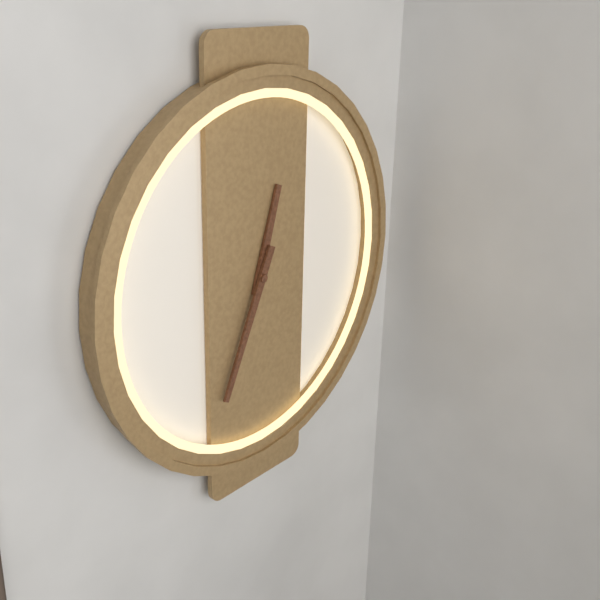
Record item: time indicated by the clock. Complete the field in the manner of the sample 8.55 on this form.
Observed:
12.34
